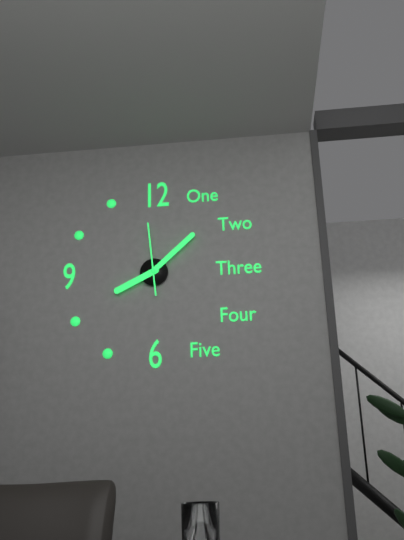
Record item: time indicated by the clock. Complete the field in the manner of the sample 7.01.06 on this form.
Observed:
8.08.59
